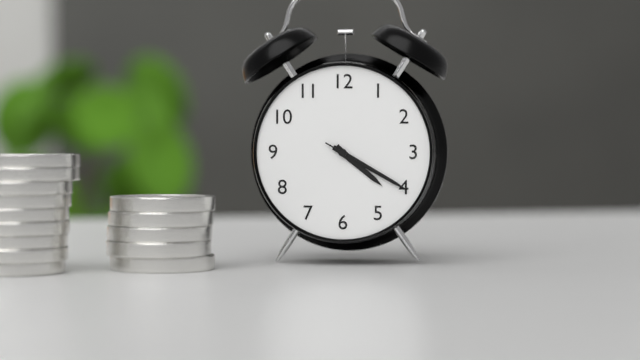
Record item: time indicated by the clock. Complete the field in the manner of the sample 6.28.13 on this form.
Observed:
4.20.20
